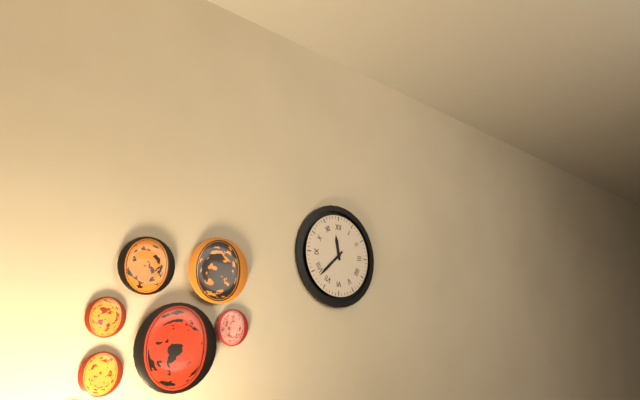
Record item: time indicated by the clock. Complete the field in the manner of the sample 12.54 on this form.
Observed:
11.38
